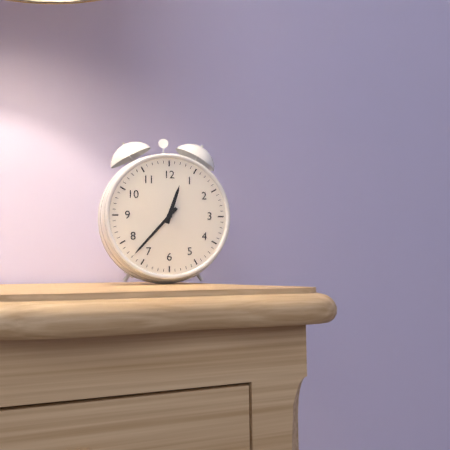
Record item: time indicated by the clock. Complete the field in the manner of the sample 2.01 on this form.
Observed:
12.37
